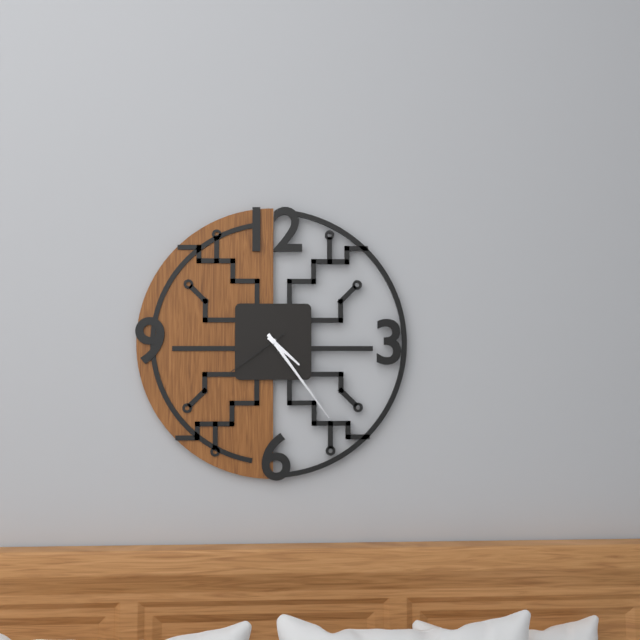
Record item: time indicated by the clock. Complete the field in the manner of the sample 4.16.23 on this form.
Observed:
4.24.39
